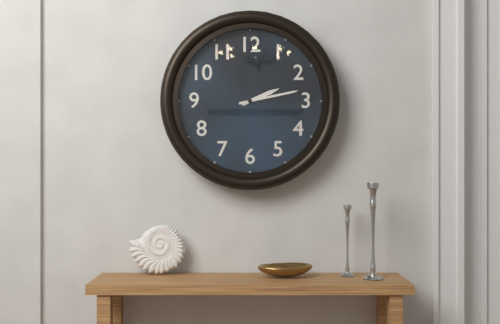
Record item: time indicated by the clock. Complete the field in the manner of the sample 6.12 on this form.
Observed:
2.13
